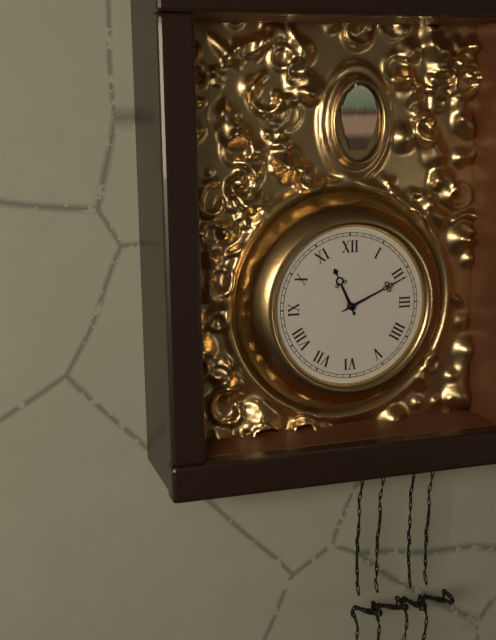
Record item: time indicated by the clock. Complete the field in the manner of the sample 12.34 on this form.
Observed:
11.11
